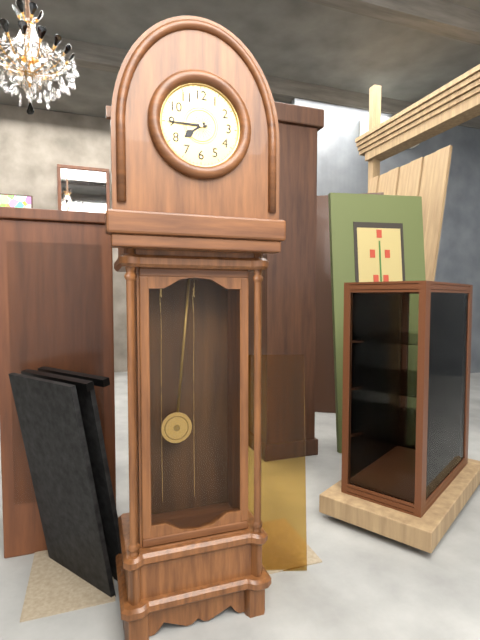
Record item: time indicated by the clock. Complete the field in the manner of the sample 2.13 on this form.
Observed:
7.45
